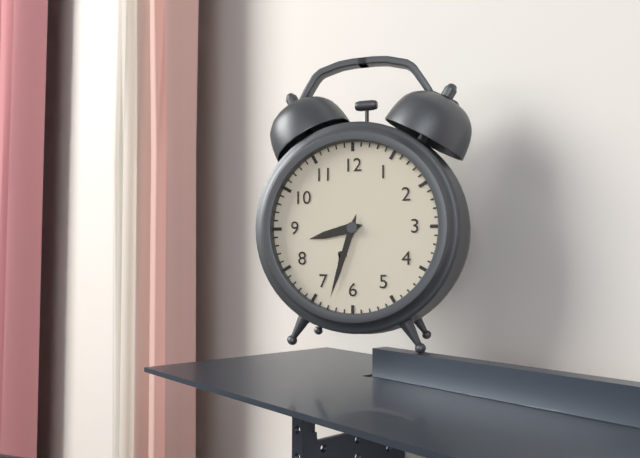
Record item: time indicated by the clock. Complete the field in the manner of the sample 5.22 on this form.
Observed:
8.33
